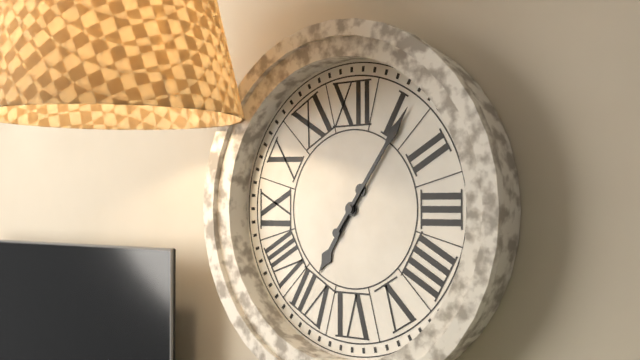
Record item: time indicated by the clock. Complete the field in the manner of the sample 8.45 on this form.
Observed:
7.06
